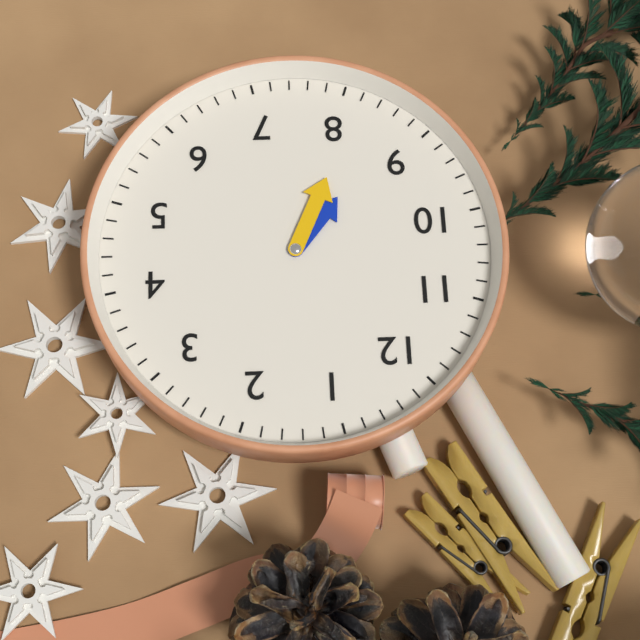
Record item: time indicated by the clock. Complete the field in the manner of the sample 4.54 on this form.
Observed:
8.41
